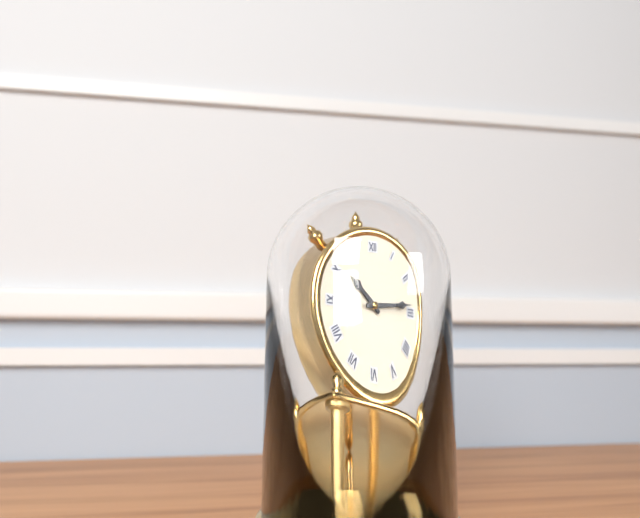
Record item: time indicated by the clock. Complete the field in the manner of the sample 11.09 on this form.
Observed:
10.14
